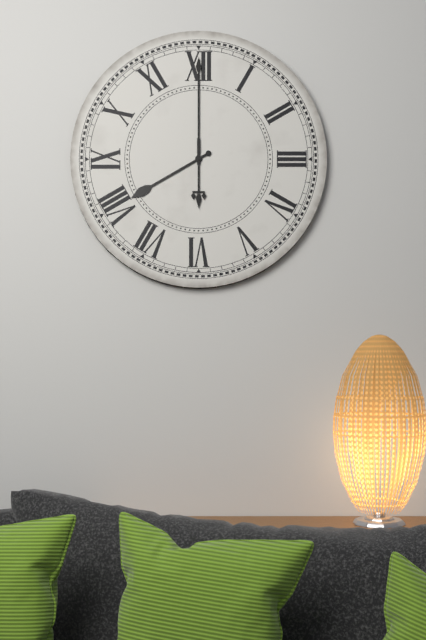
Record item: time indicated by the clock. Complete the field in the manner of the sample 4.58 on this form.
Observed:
8.00
